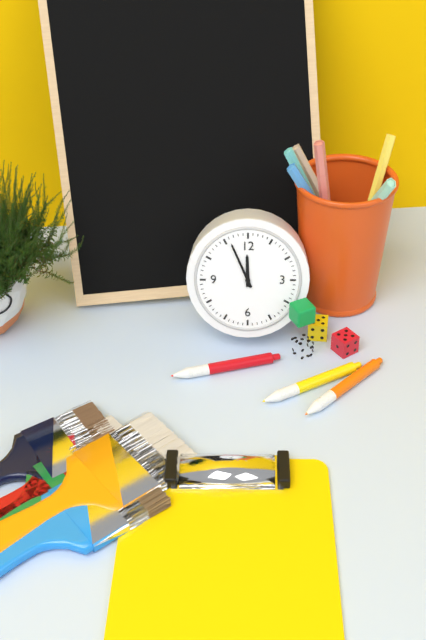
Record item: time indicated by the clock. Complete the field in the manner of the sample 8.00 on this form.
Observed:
11.56
